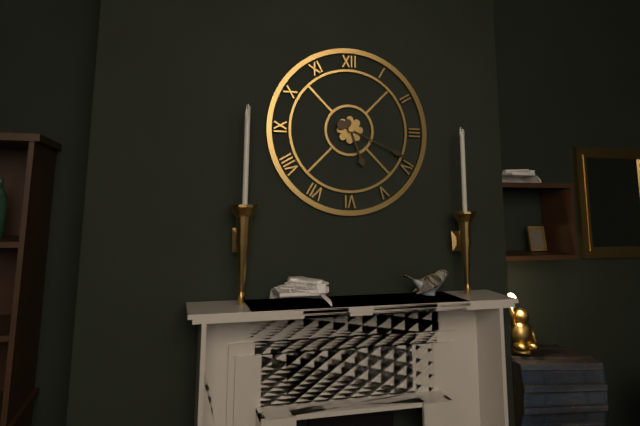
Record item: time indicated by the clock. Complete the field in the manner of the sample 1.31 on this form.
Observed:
5.19
